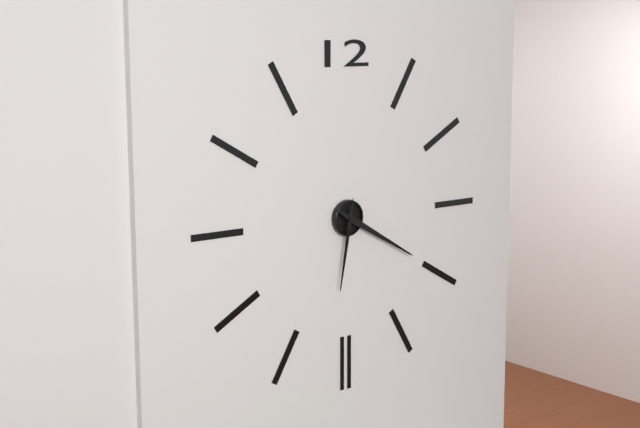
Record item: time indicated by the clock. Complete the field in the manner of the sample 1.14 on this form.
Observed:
6.20
